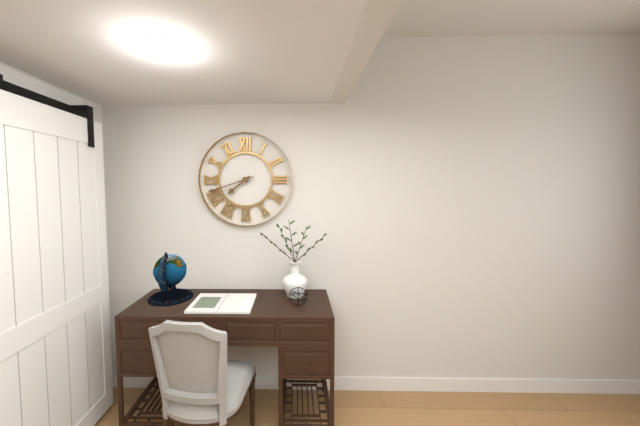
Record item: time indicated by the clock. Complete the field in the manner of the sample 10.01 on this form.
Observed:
7.42
